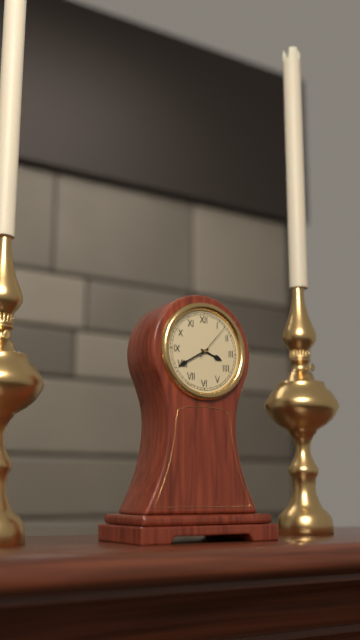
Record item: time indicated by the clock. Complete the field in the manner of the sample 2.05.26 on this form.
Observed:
3.40.07
